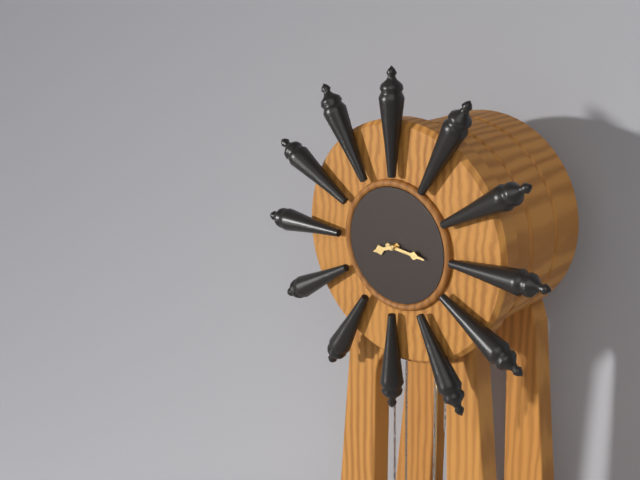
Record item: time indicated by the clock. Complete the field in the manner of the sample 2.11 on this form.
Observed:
8.16
